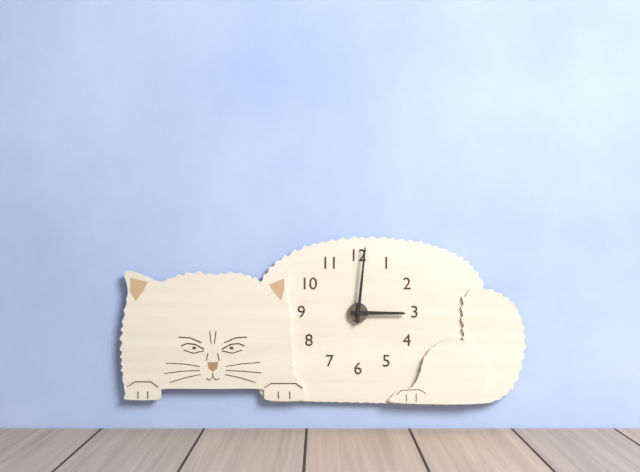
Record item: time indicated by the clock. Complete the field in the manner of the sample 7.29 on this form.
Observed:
3.01
